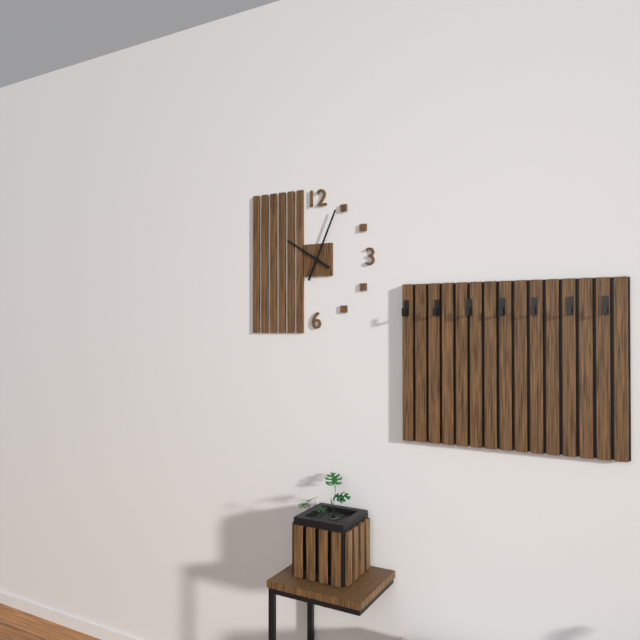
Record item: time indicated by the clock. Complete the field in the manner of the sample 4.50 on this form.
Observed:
10.04
